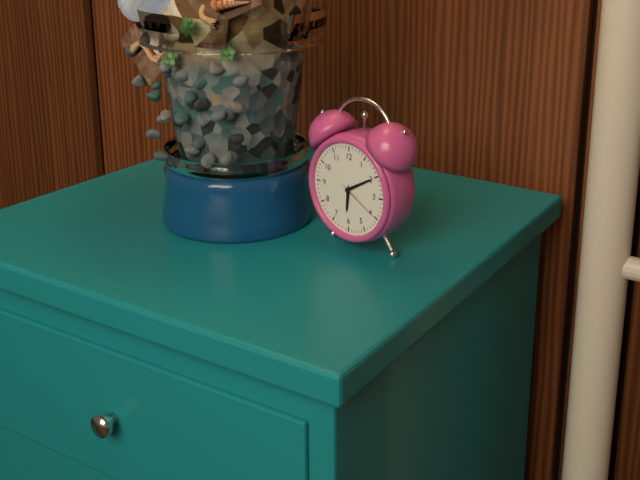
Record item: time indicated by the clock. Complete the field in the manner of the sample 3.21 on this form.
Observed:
6.10
